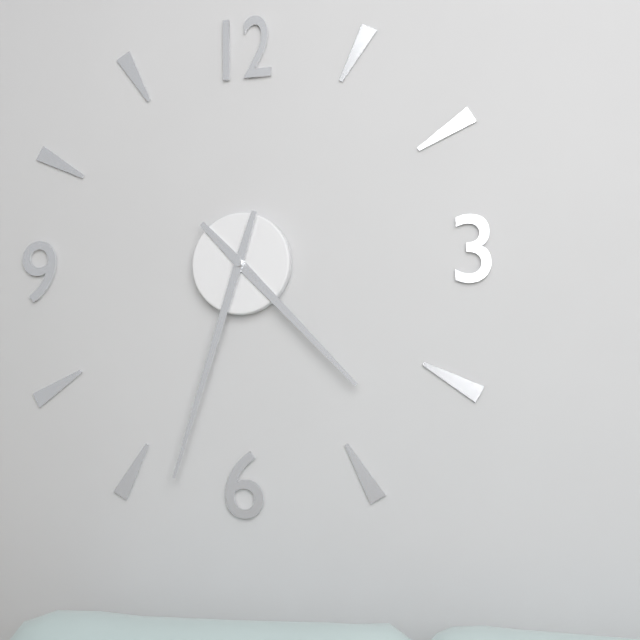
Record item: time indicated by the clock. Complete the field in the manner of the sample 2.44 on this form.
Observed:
4.33
